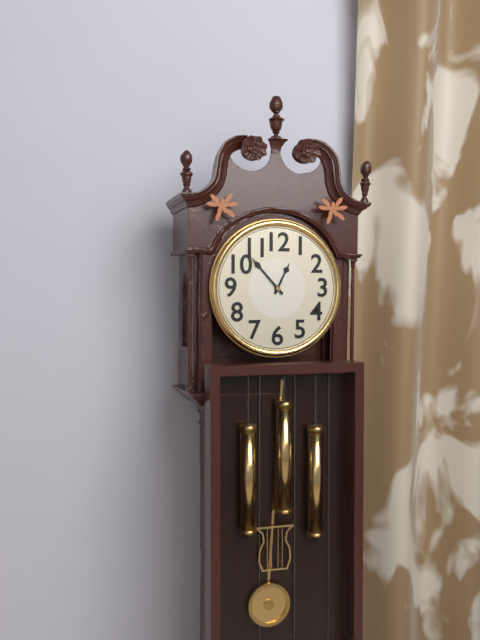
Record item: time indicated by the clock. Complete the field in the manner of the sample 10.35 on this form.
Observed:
12.53
